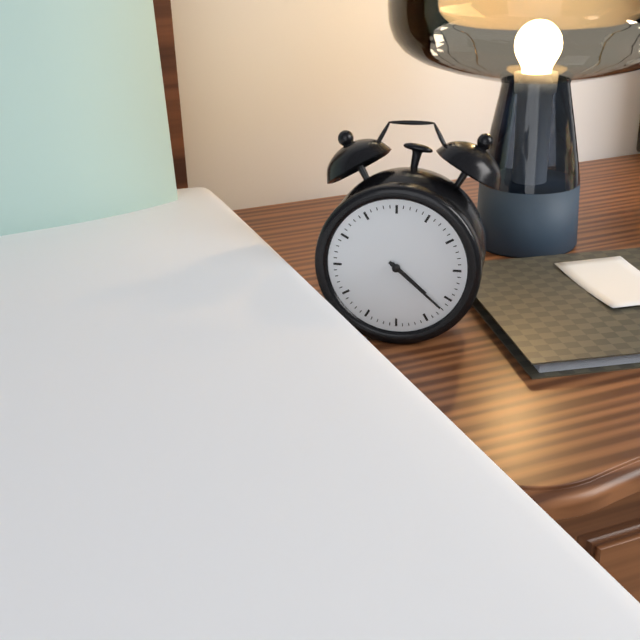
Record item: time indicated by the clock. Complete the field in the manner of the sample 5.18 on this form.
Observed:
4.22
